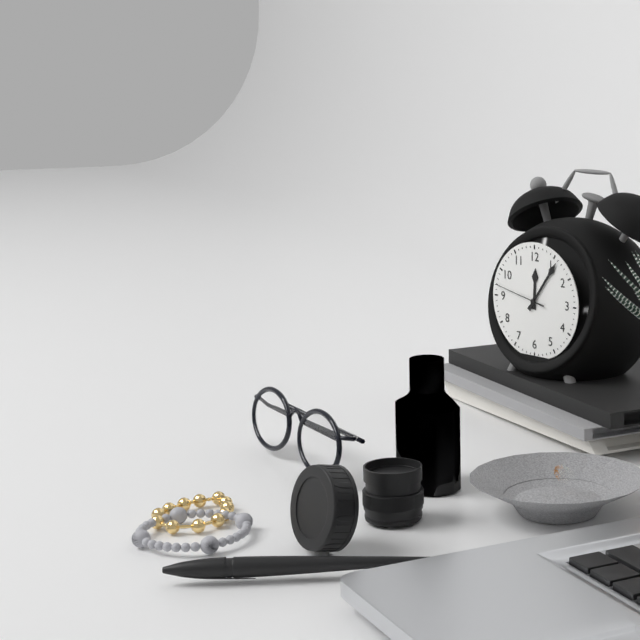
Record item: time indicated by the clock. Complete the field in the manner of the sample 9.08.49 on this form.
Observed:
12.06.47
